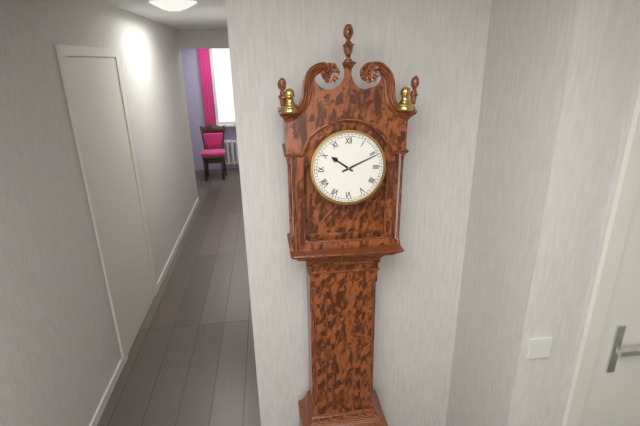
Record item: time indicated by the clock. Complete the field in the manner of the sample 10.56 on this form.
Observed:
10.11
